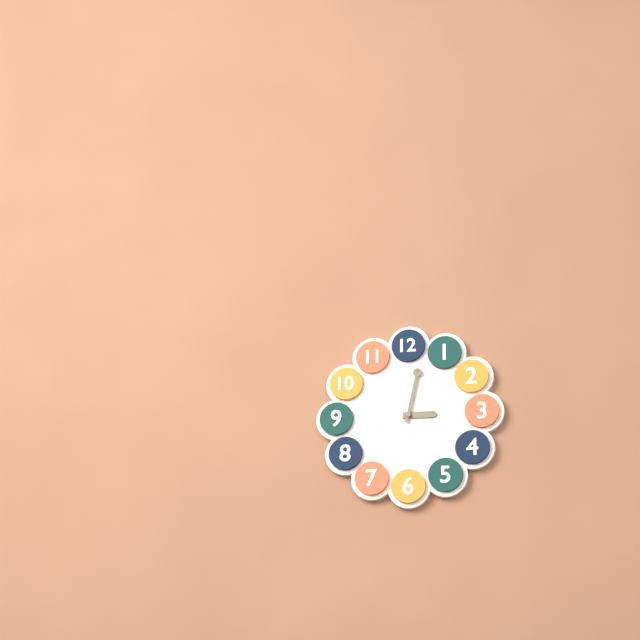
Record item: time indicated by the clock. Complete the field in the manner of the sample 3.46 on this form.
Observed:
3.02
